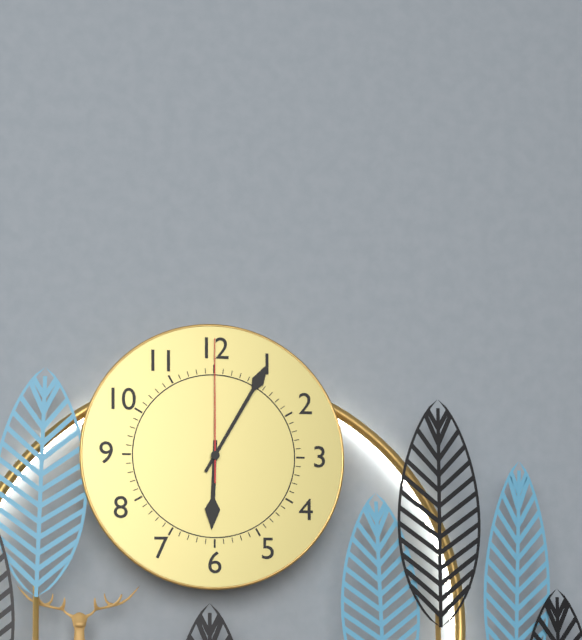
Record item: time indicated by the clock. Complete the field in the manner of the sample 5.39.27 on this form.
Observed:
6.05.00
